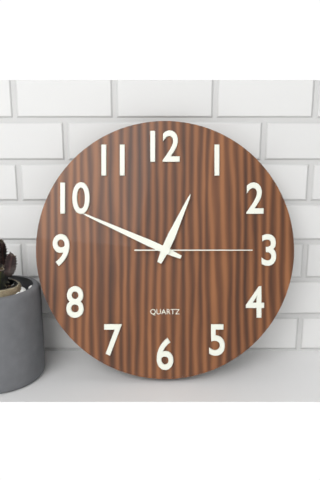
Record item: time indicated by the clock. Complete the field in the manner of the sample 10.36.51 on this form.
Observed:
12.49.15
